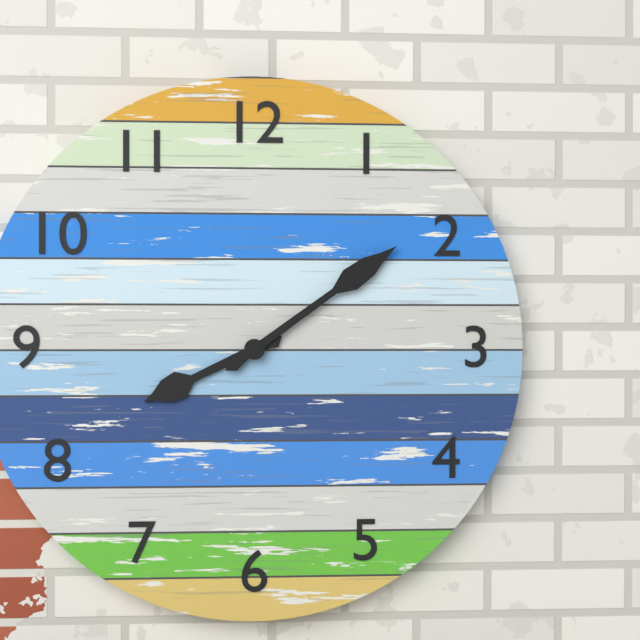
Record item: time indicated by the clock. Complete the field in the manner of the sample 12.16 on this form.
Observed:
8.09
